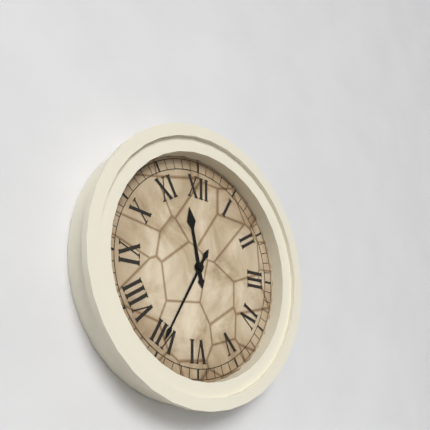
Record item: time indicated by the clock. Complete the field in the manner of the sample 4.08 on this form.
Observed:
11.35
